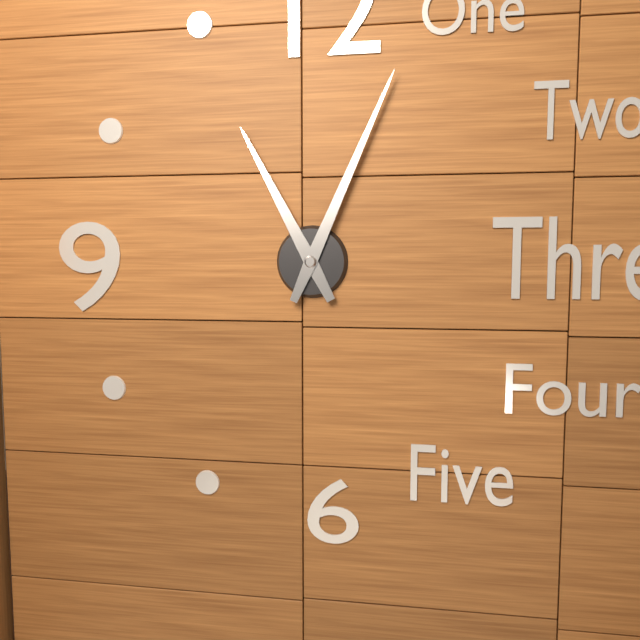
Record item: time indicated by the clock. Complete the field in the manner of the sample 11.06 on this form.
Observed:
11.04
